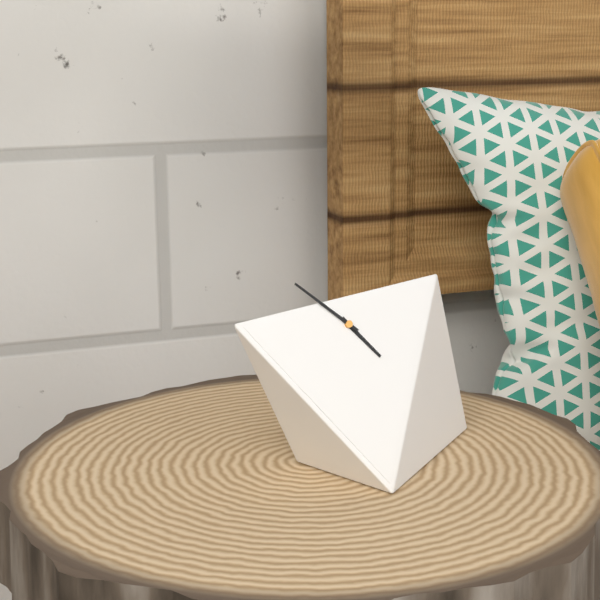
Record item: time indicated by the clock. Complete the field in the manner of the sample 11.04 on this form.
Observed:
4.53
